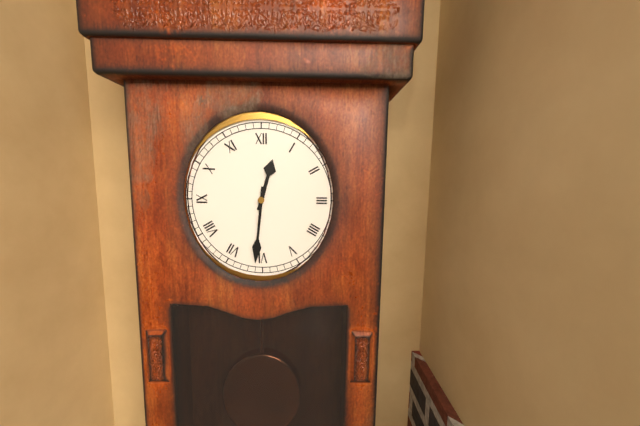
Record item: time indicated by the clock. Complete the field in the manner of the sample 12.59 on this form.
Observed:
12.31
